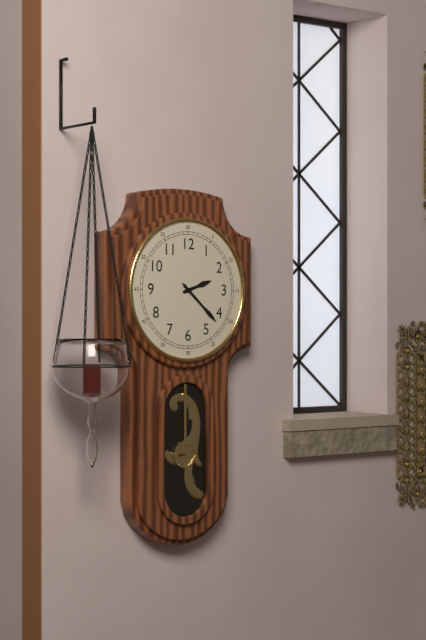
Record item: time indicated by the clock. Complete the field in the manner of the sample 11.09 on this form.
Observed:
2.22
